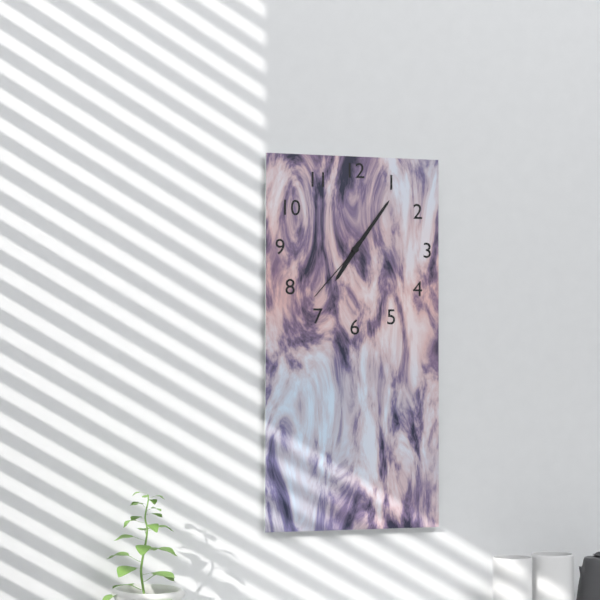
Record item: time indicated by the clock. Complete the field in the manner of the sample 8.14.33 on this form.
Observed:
7.06.37
